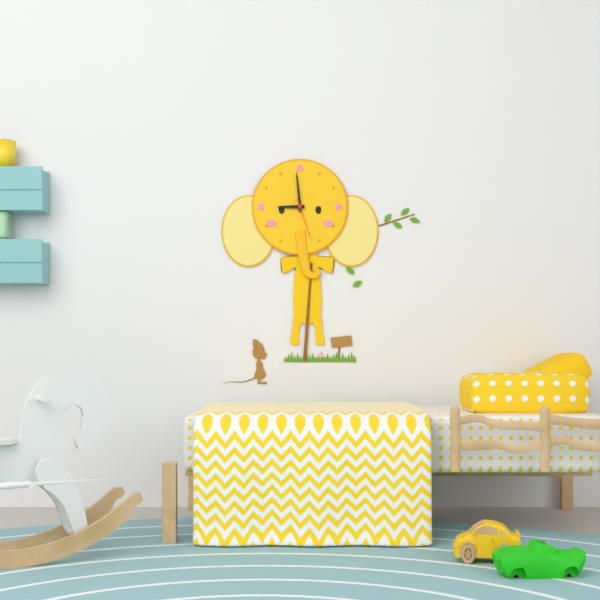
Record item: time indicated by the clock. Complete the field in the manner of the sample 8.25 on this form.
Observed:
8.59
